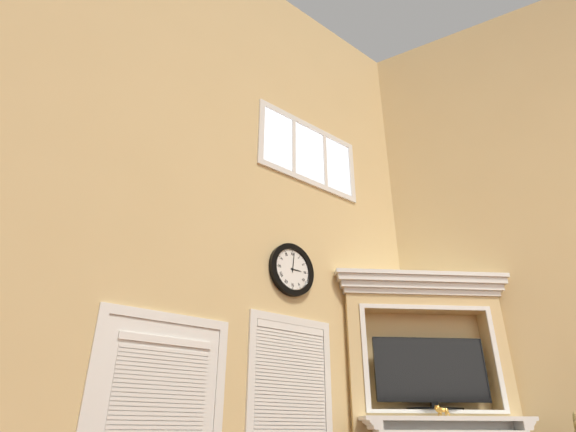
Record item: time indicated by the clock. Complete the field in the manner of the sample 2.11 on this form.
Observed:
3.01
